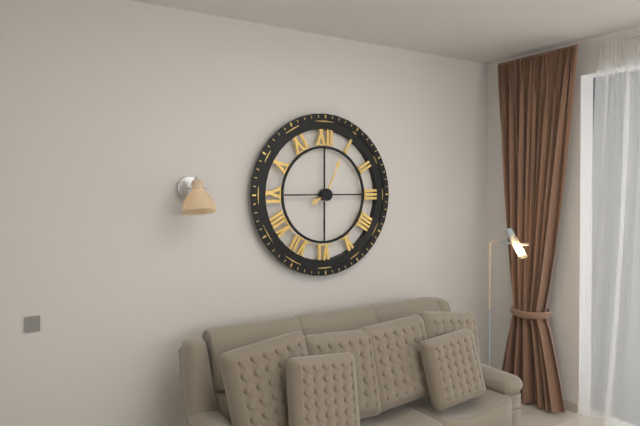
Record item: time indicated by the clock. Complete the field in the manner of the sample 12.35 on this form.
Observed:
8.04
